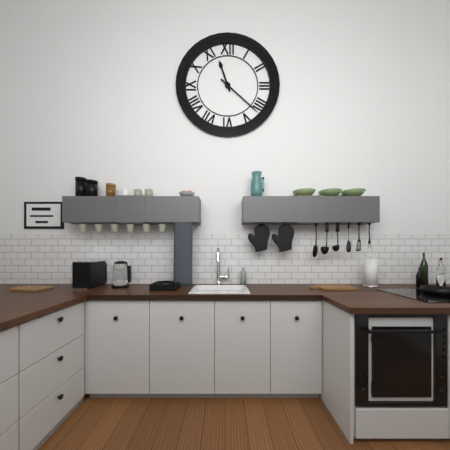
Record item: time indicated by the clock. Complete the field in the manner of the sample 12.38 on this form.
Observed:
11.22
